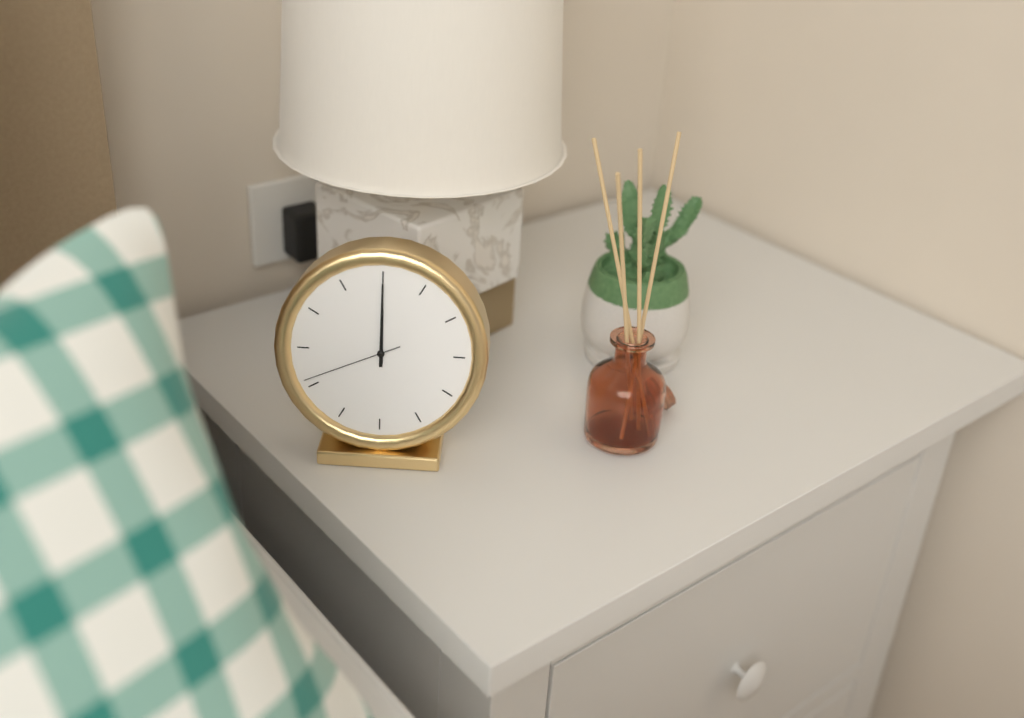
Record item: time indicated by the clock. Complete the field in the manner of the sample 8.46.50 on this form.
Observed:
12.00.41
